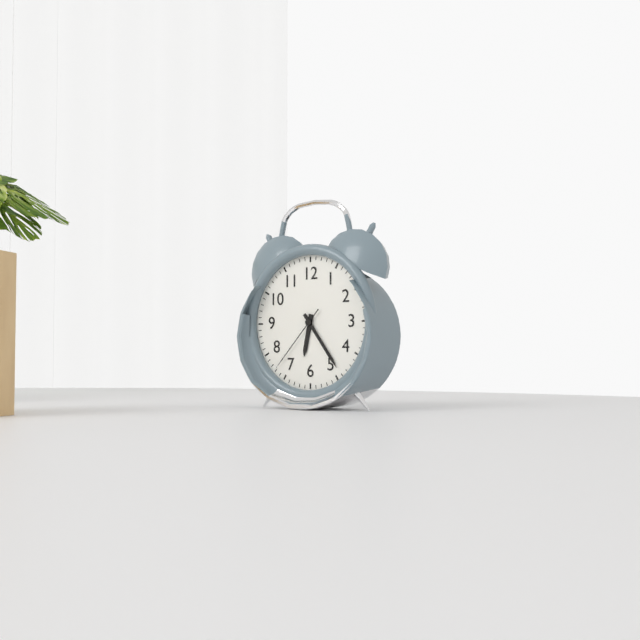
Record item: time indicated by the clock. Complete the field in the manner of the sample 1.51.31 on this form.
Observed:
6.24.37
